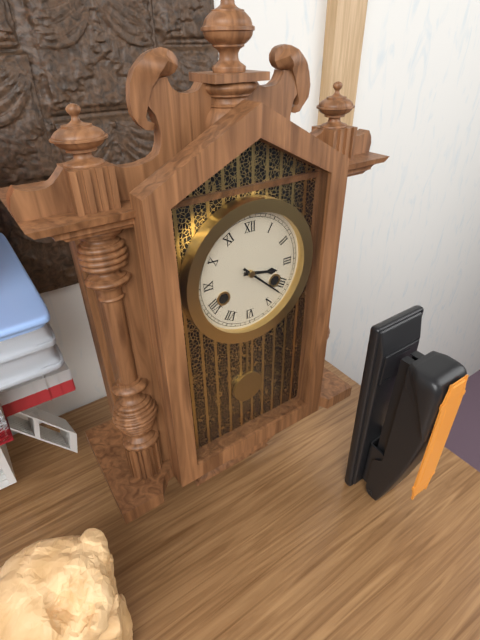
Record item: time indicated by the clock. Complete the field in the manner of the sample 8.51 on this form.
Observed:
3.22
